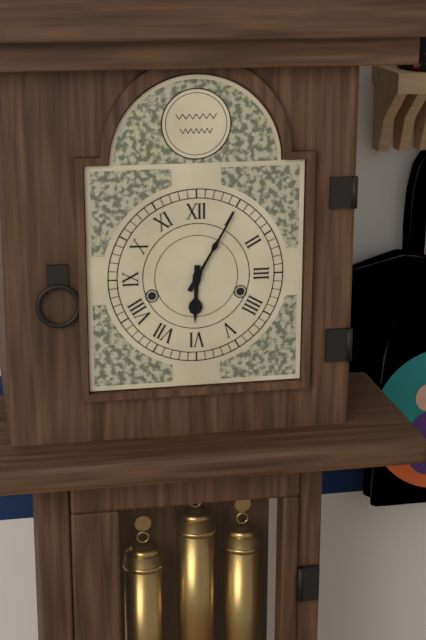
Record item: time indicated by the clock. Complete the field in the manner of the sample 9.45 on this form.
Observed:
6.05
